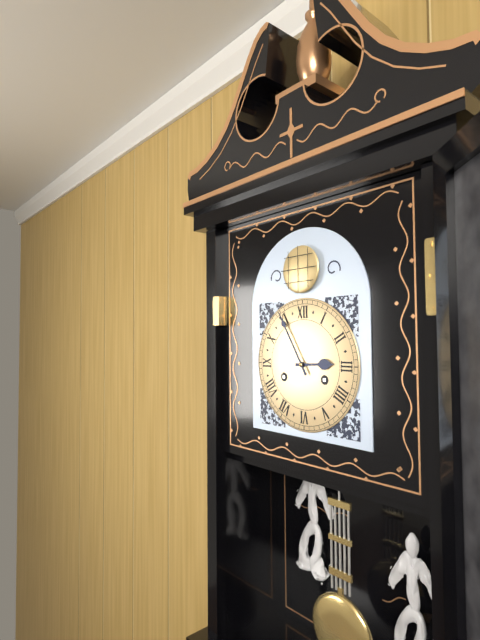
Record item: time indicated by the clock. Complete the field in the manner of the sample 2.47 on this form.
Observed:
2.55
